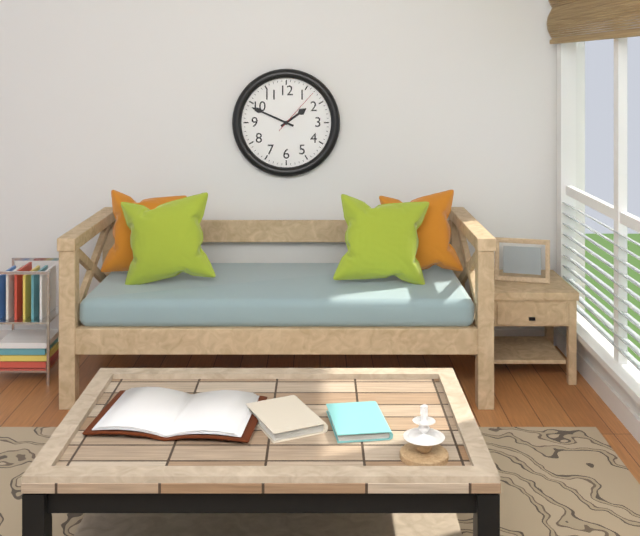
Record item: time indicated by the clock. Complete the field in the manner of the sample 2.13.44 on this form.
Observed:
1.49.07
